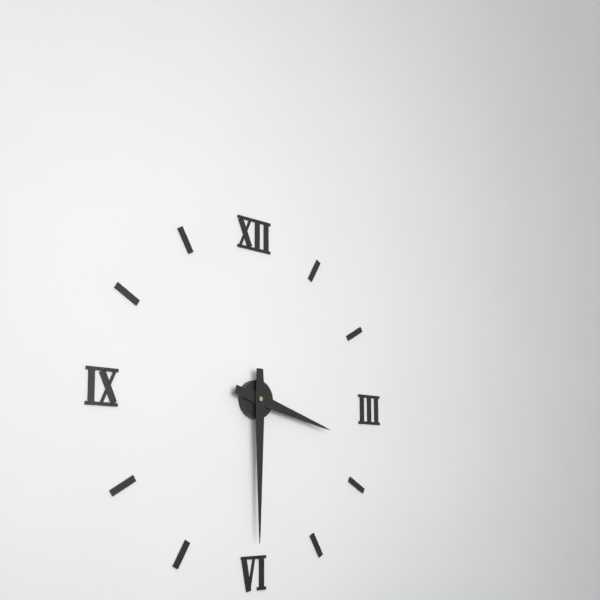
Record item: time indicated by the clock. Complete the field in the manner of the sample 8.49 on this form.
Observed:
3.30
